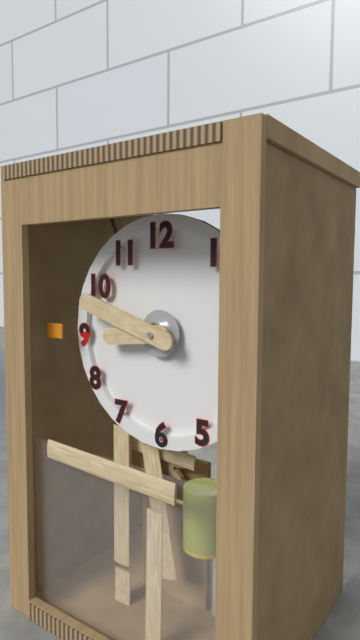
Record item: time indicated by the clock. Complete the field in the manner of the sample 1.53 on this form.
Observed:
8.48
